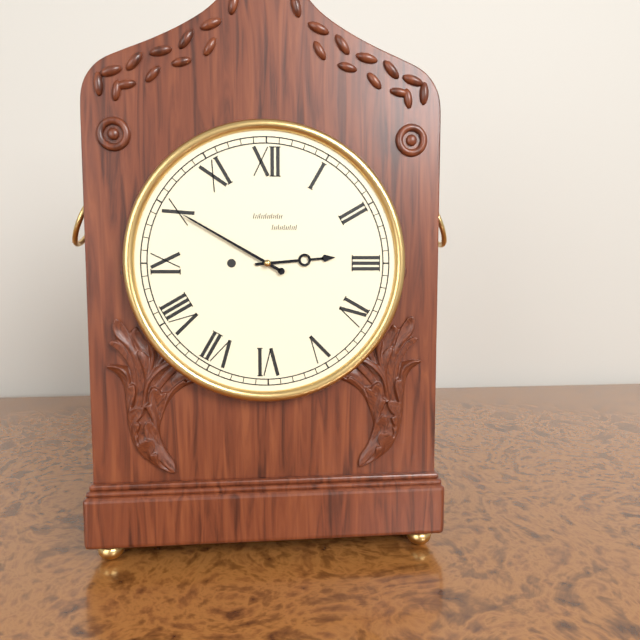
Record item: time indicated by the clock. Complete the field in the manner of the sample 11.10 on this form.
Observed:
2.50
